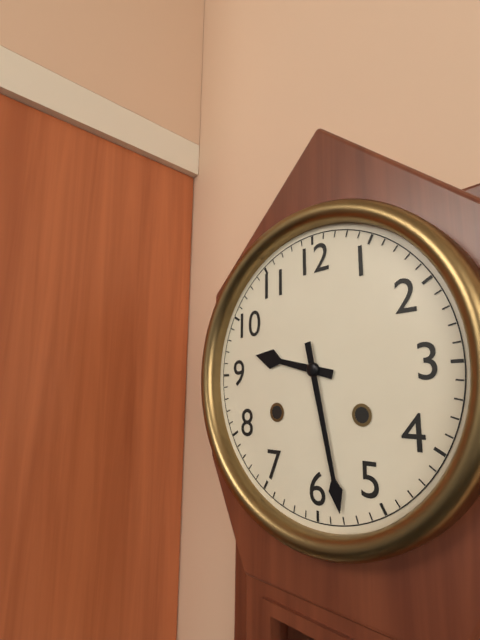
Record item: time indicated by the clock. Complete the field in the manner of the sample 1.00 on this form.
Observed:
9.28
